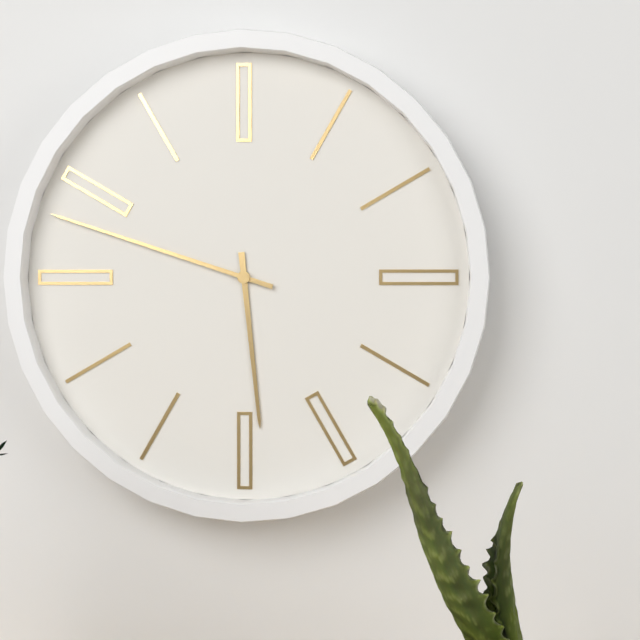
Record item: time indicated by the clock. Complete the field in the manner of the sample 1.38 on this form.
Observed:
5.48
